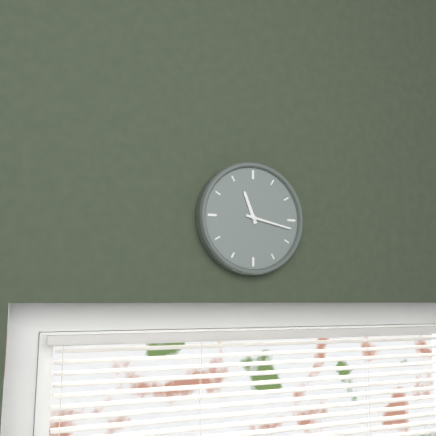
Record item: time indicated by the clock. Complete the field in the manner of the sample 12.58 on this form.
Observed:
11.17
